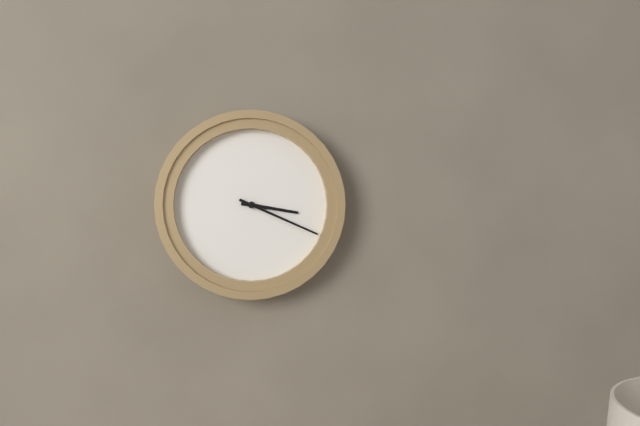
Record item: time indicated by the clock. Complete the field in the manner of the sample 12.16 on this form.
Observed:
3.19
